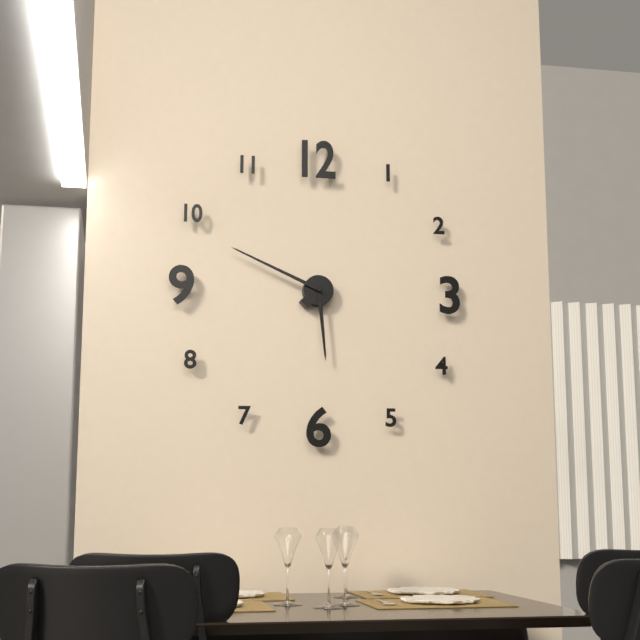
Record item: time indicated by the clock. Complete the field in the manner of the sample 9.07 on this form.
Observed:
5.49
